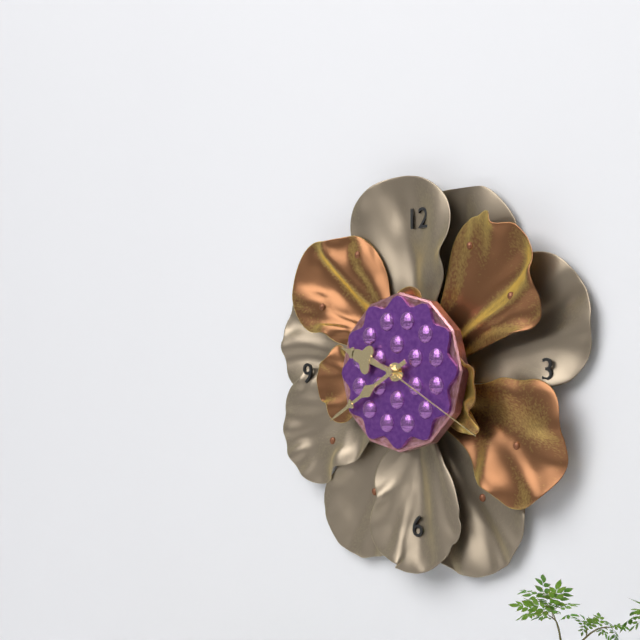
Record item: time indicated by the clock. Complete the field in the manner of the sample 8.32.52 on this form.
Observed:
9.40.20
